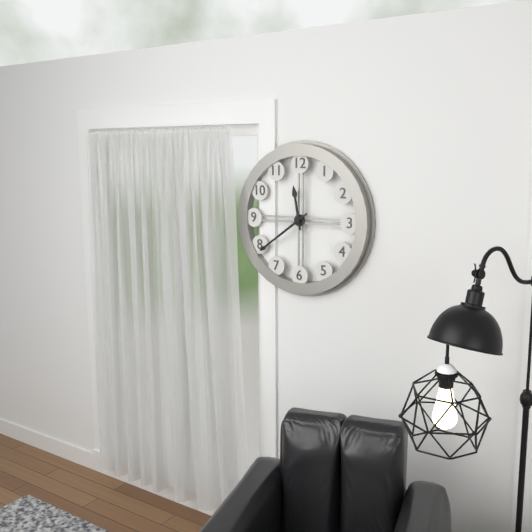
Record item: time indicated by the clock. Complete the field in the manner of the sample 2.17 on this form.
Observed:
11.39
